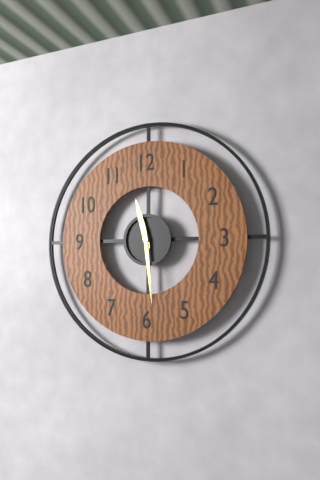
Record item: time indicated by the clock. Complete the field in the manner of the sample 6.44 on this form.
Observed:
11.29
